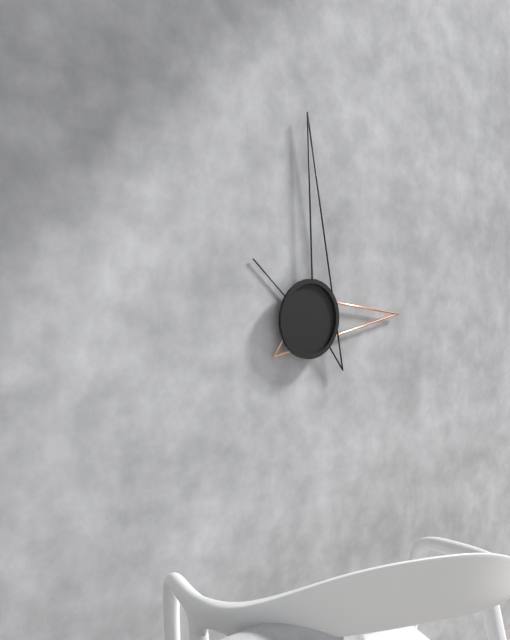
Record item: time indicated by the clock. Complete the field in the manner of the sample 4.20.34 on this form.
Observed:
3.00.52
